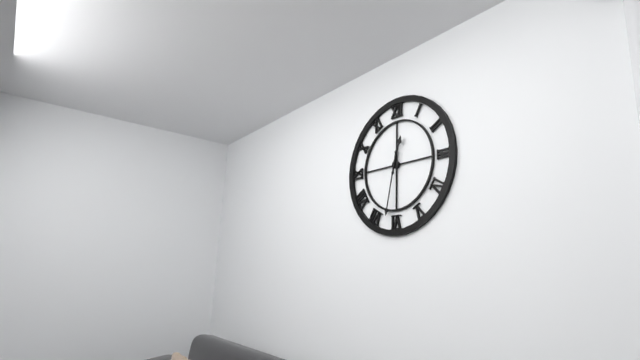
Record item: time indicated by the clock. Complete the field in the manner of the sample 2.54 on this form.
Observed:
12.32
